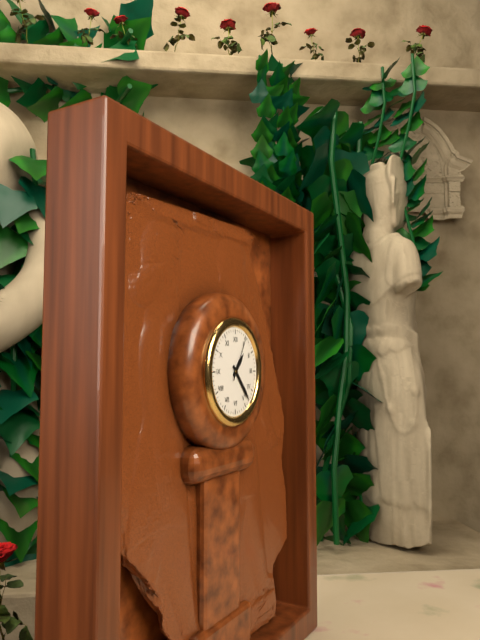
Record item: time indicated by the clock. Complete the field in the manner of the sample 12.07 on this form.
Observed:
1.23
